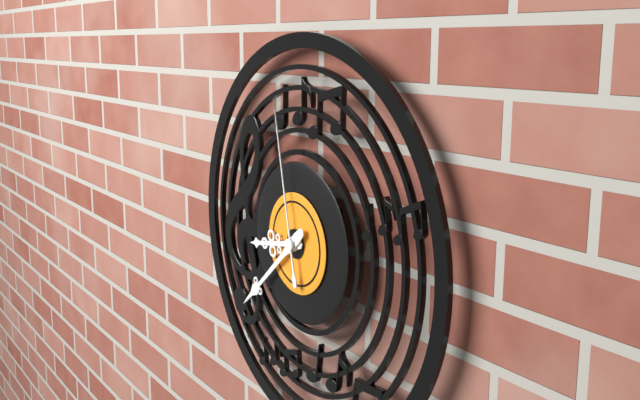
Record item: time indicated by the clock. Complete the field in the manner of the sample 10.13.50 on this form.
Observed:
8.38.58
